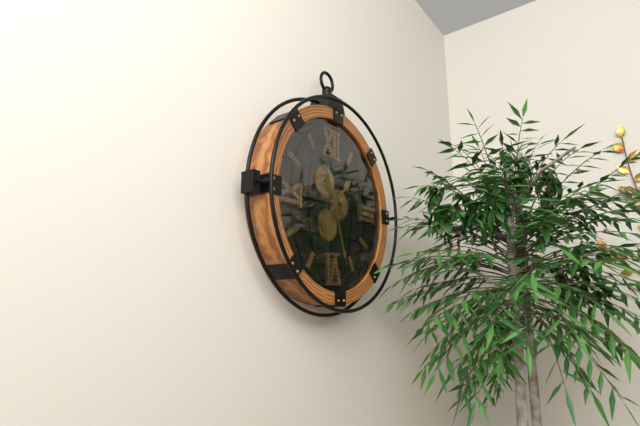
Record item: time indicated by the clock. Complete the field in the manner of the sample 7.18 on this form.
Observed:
1.27
